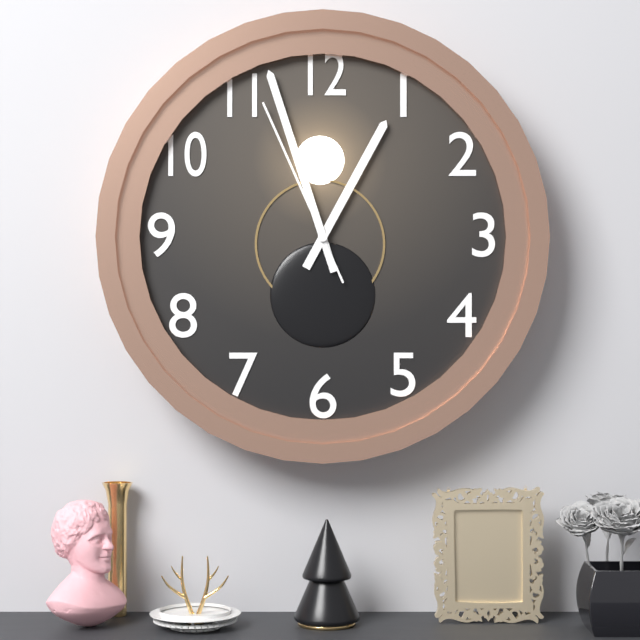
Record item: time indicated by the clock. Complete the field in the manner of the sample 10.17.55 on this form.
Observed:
12.57.56
